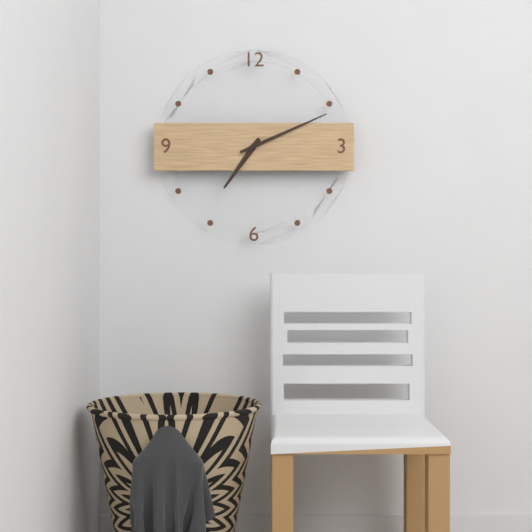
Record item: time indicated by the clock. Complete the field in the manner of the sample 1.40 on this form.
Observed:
7.11
